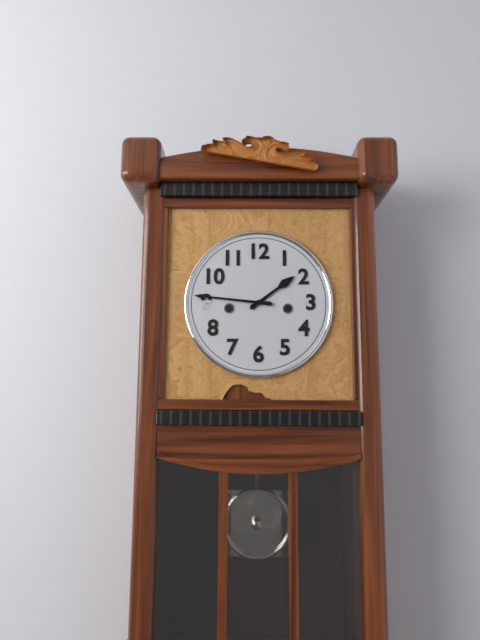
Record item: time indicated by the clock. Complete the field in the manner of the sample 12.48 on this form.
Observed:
1.46
